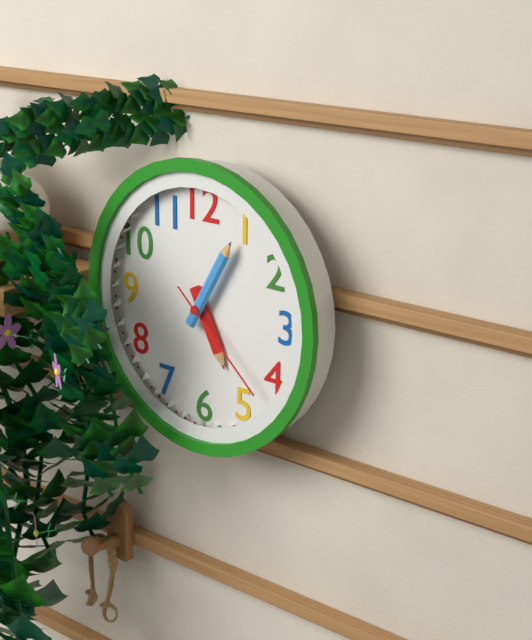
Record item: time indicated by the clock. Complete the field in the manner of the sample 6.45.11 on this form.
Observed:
5.05.22
